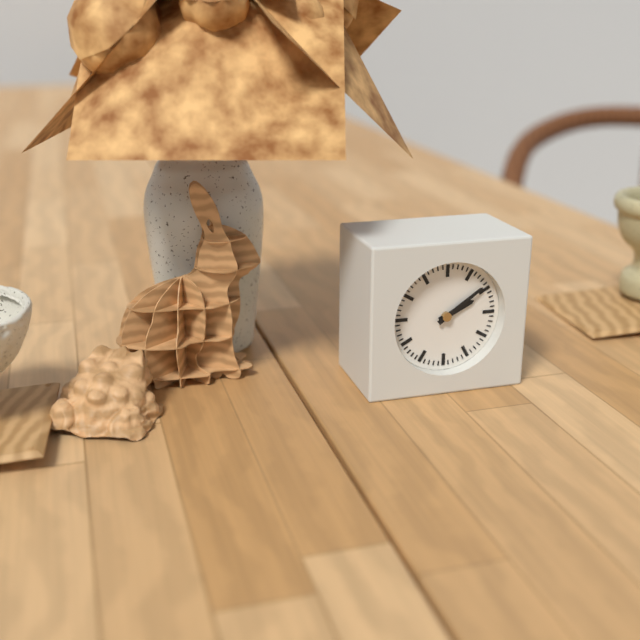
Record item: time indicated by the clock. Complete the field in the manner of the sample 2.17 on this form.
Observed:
2.09
